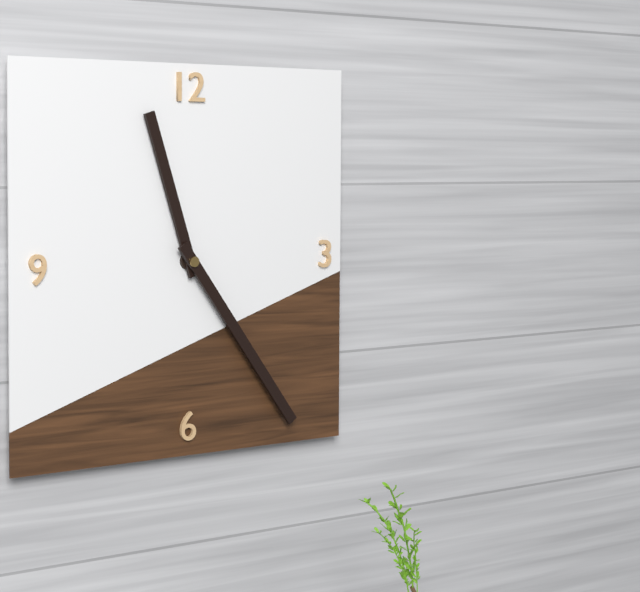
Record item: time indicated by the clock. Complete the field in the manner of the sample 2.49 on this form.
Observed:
11.24
